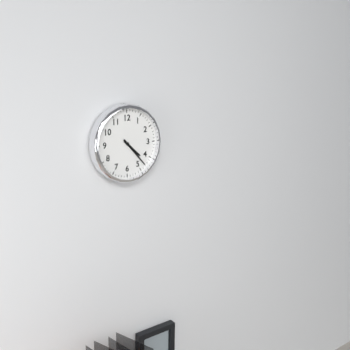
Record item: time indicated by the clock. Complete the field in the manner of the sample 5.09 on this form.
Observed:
4.23
